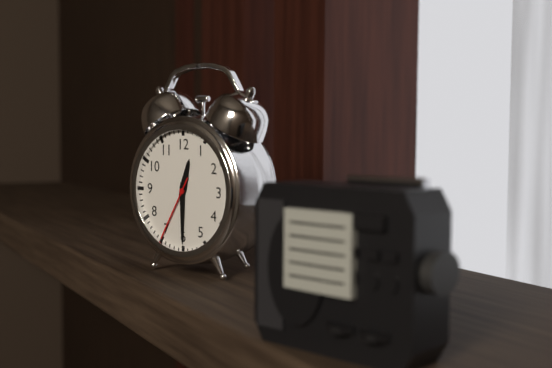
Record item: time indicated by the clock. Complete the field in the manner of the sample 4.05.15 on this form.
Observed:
12.30.35
